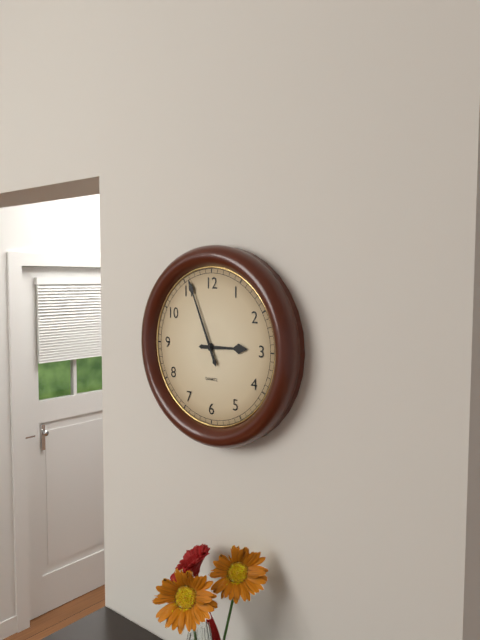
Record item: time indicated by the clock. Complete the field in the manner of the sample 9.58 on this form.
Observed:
2.56
